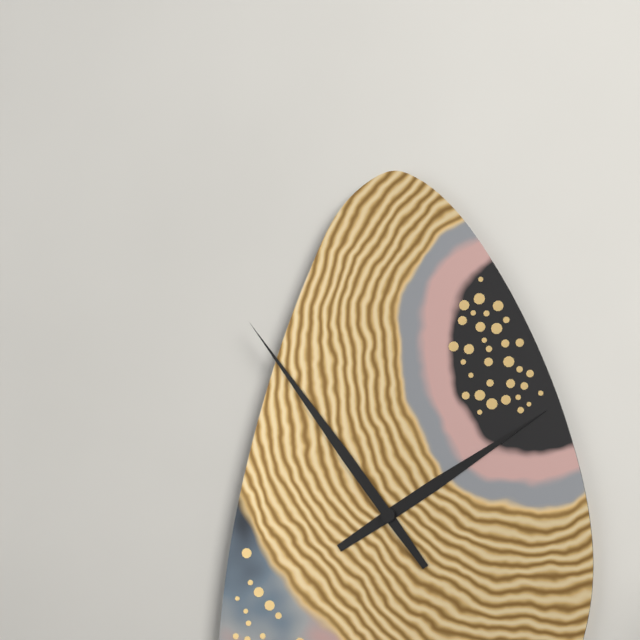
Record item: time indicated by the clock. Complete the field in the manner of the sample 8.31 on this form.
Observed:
1.54
